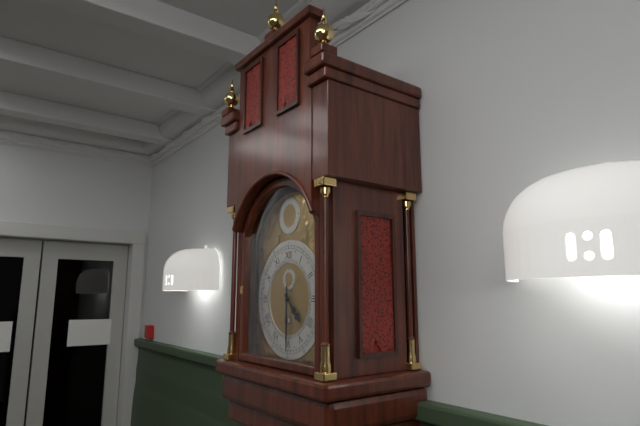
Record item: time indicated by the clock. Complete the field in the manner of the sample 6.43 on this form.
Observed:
4.30
